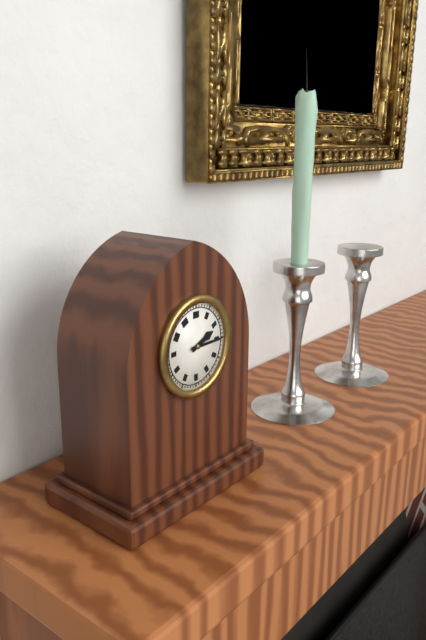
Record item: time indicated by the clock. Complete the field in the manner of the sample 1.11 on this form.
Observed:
2.15
